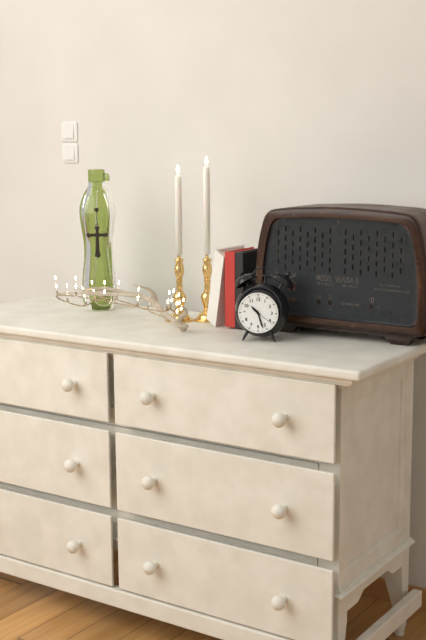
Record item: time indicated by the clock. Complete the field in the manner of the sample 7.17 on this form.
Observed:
10.27
